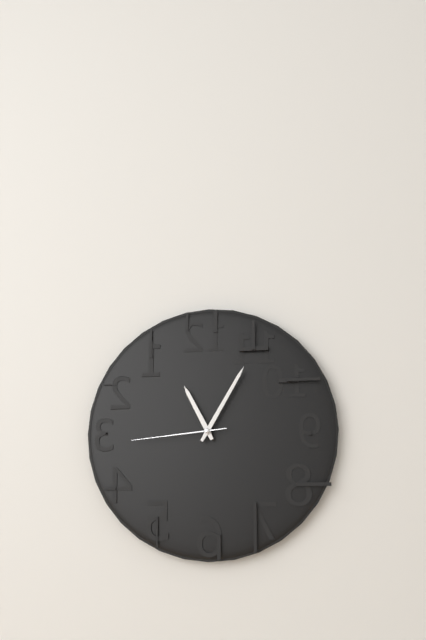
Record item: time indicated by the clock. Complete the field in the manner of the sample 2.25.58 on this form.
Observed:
11.05.44
